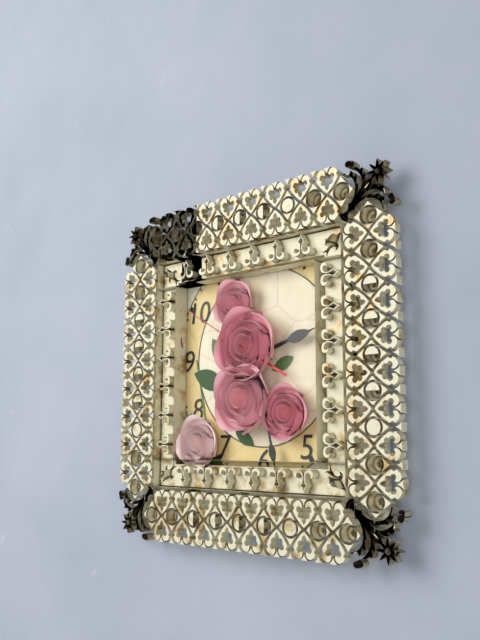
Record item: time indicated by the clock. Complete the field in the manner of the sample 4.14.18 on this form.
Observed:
2.28.50
